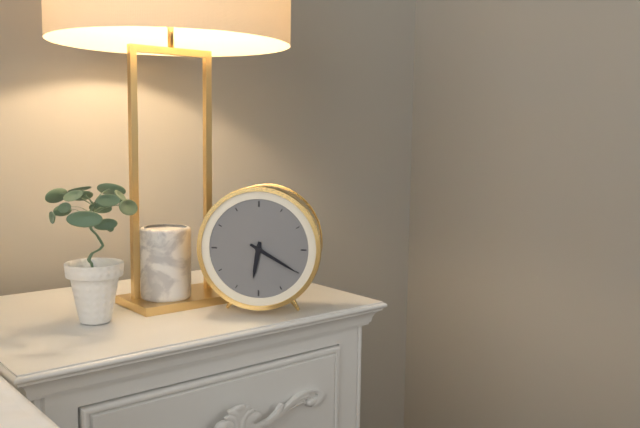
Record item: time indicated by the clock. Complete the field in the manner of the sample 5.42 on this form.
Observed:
6.20
